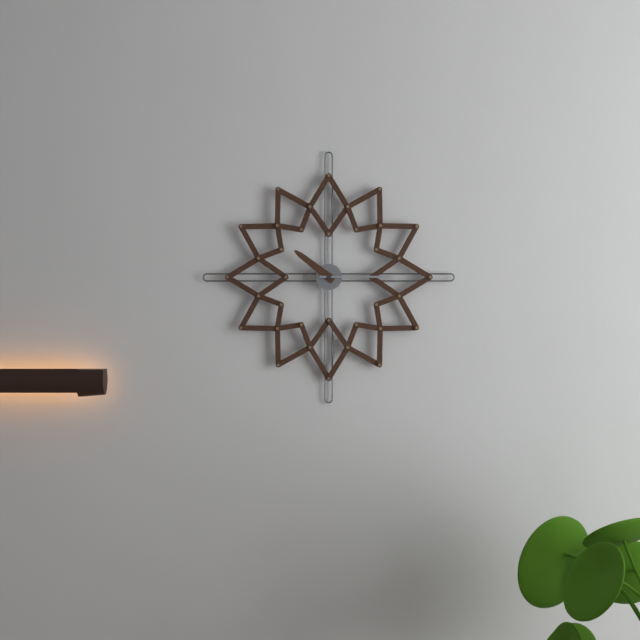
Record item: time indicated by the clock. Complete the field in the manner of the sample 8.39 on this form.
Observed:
10.15
